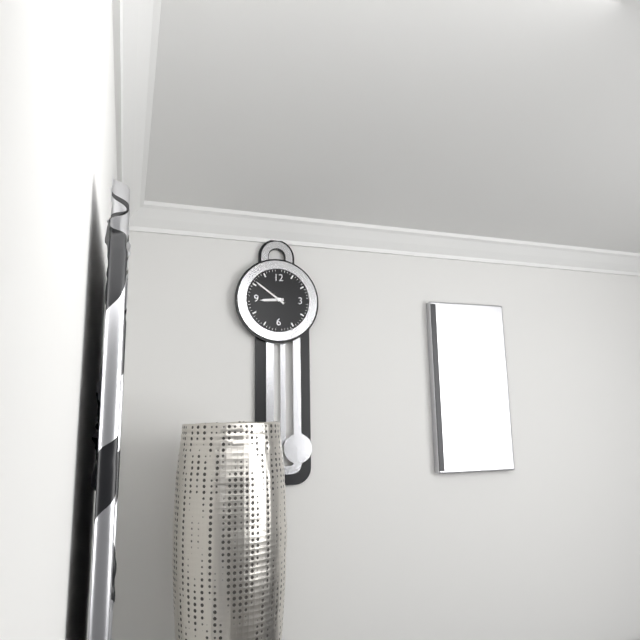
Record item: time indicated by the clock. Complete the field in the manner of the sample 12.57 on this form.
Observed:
8.51
